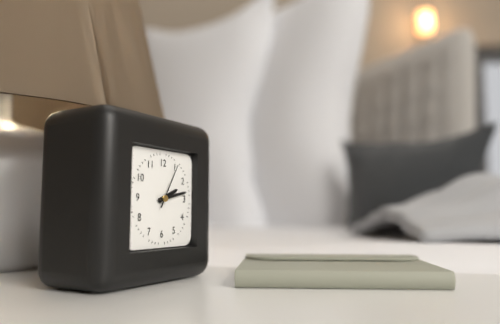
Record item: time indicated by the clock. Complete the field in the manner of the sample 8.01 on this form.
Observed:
2.13
